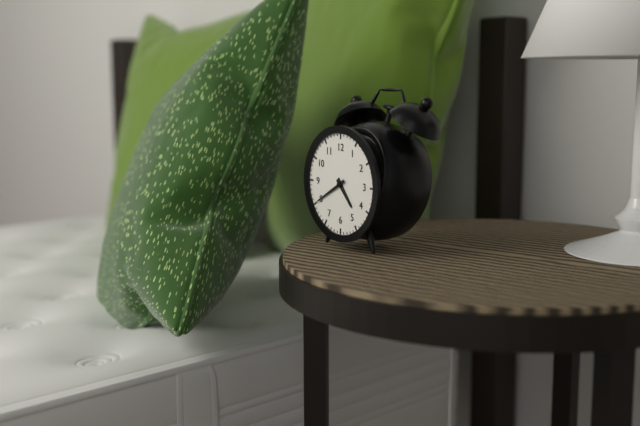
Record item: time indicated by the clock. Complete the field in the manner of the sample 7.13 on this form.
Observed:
4.40
